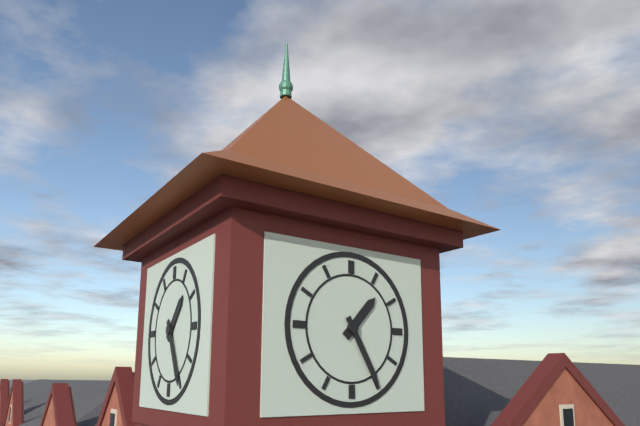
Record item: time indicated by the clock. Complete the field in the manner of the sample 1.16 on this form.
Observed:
1.25
